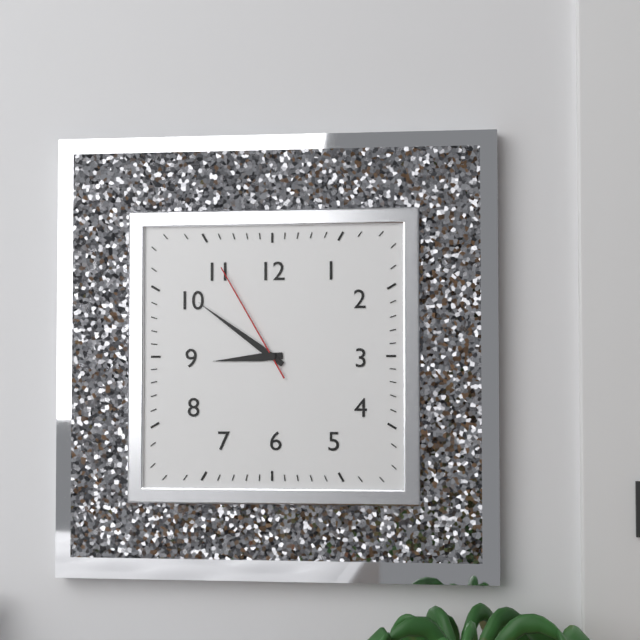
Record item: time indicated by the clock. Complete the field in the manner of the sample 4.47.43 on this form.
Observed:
8.51.55
